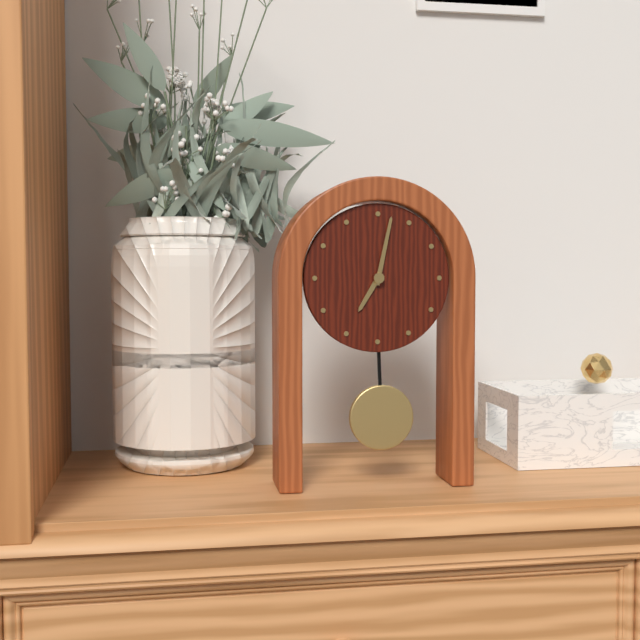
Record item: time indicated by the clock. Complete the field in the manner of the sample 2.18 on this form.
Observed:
7.02
